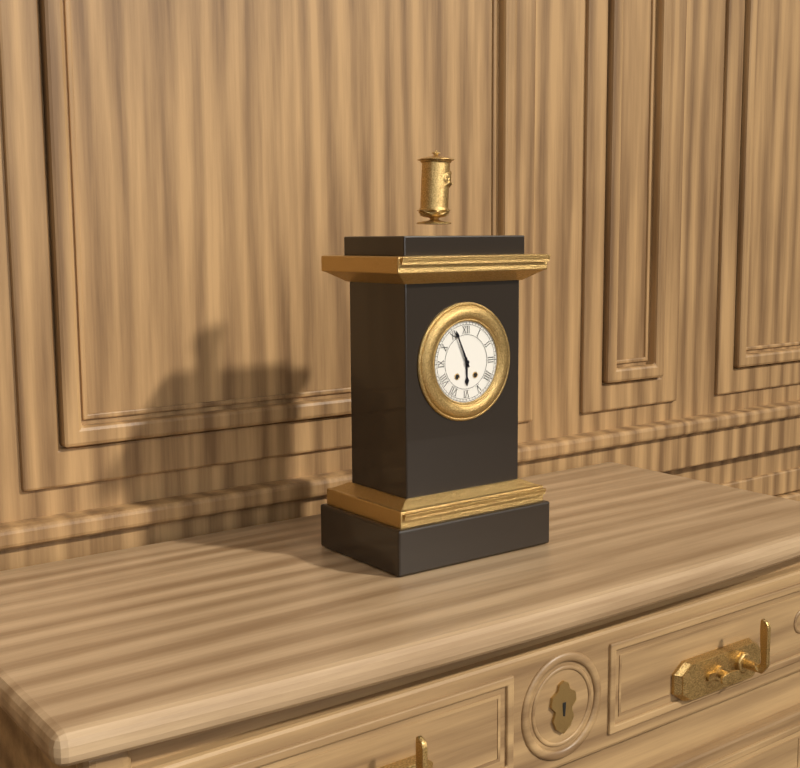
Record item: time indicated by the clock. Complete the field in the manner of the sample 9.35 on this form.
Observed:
5.56
